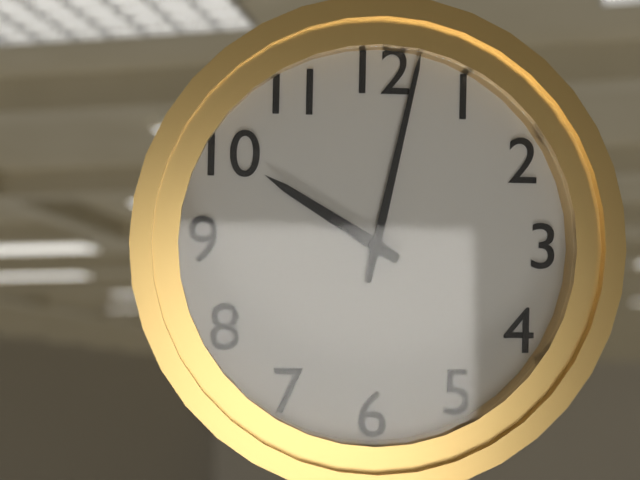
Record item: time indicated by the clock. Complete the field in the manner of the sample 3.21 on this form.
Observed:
10.02
